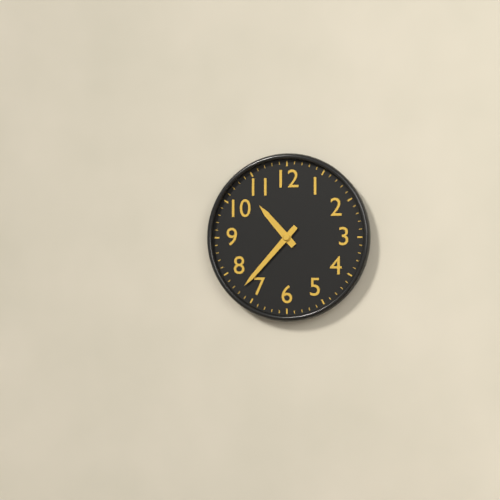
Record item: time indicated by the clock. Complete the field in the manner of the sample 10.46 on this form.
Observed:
10.37
